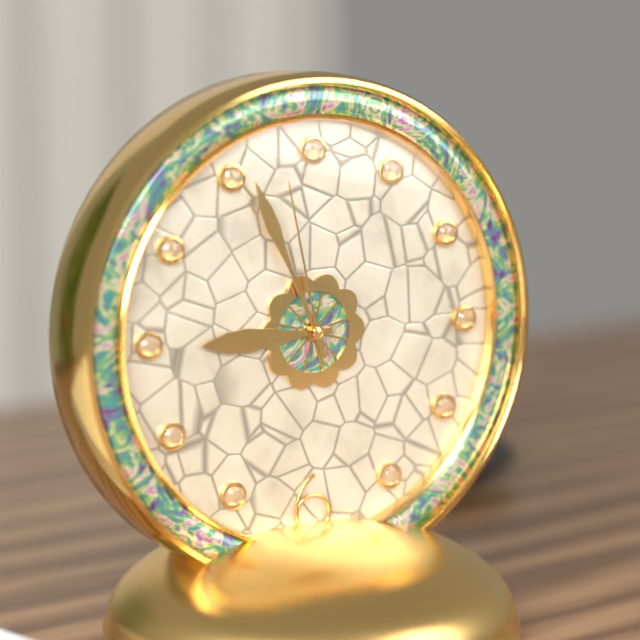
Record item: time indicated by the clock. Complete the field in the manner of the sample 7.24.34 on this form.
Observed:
8.56.58
